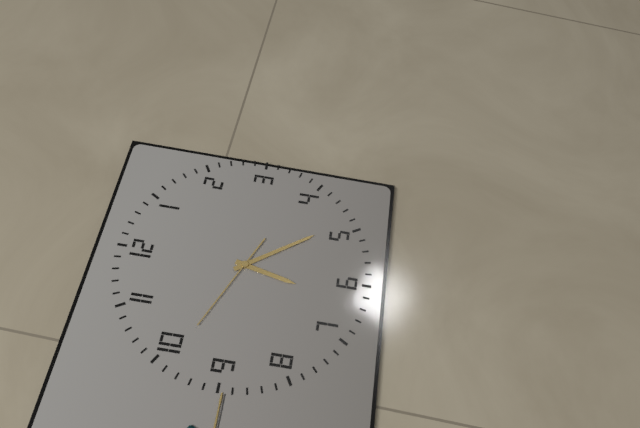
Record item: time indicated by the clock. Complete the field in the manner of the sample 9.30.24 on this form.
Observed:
6.24.49
